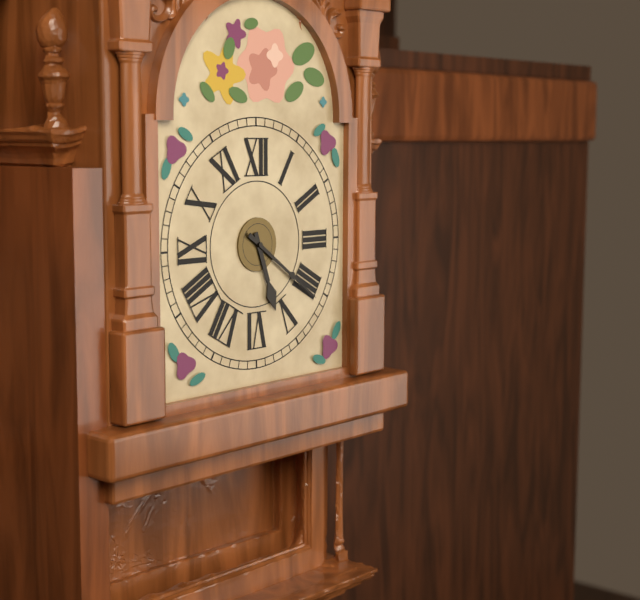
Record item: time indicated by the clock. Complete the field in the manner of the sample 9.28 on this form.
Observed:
5.21
